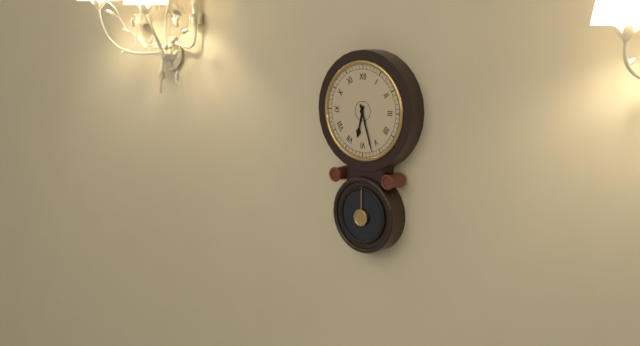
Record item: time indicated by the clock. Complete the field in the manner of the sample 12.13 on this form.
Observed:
6.27
